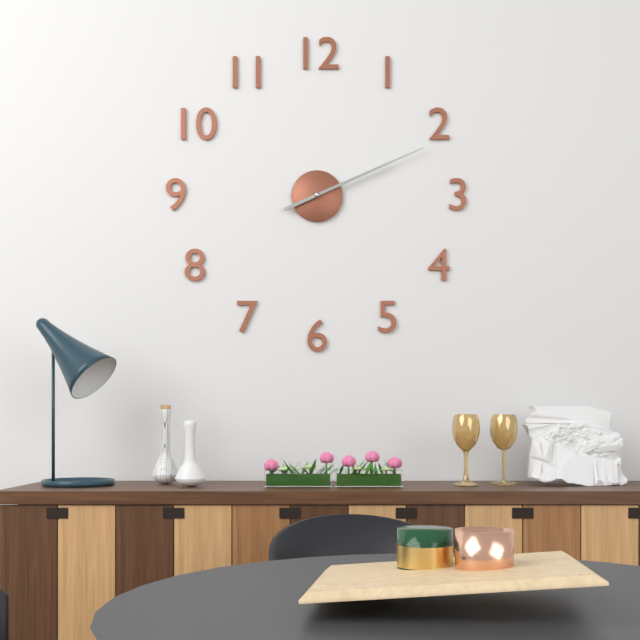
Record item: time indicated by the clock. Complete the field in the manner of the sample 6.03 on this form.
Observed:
2.11
